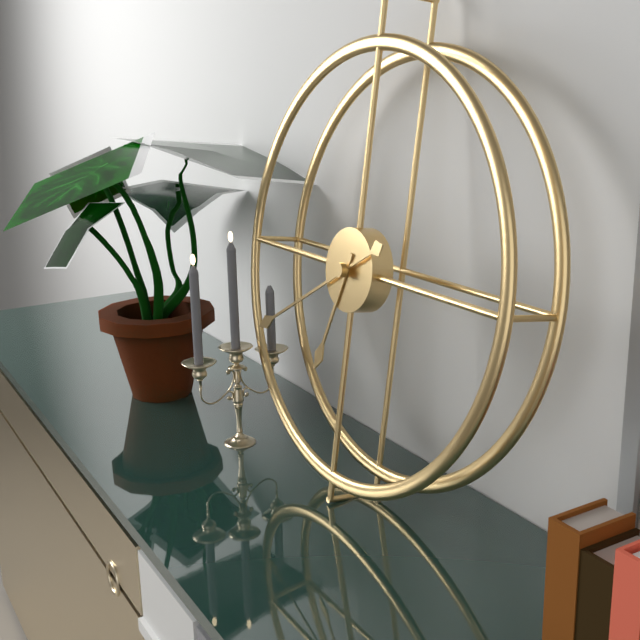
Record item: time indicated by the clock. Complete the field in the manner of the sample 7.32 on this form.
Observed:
6.40
